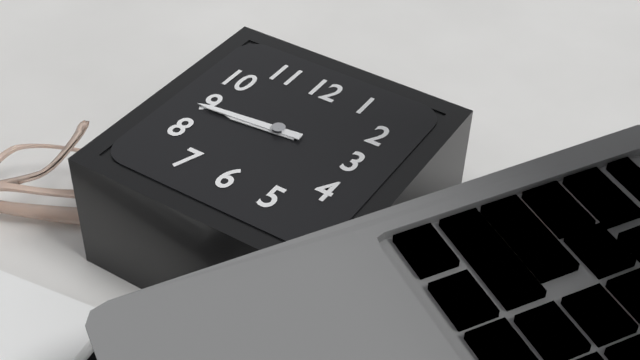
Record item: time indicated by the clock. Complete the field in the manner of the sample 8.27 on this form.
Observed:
8.44
